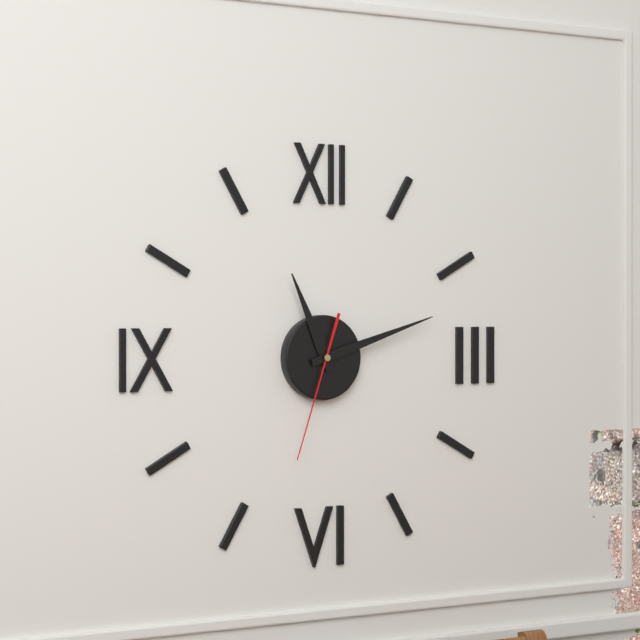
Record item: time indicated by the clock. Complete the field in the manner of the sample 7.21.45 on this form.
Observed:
11.12.33
